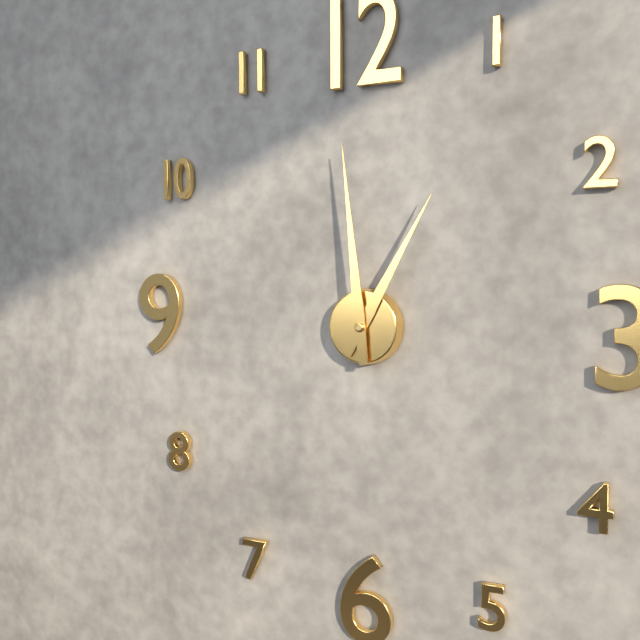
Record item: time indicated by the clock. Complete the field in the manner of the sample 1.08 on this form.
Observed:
12.59
